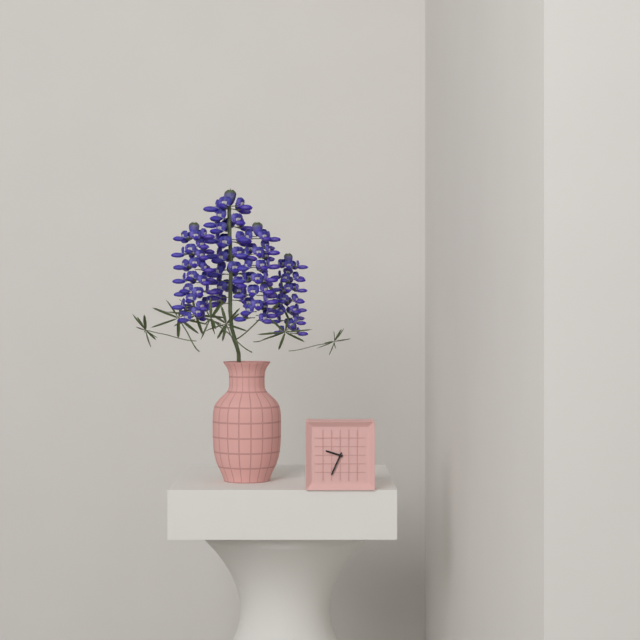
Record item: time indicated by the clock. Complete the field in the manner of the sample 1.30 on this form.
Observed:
9.34
